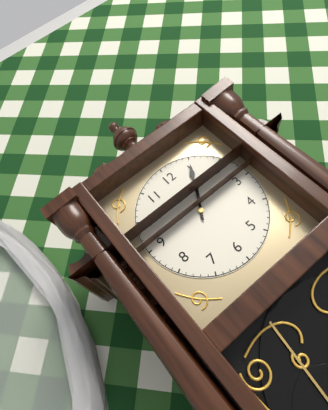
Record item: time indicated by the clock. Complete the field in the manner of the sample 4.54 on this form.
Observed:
1.05
